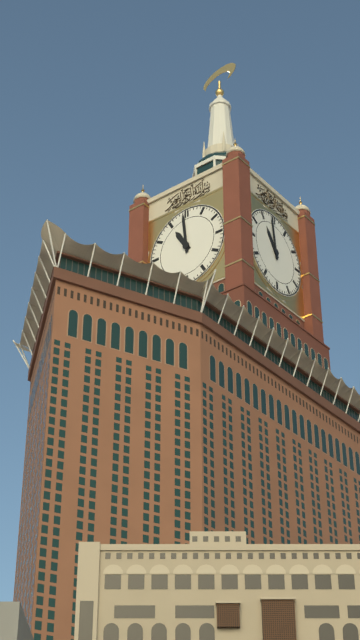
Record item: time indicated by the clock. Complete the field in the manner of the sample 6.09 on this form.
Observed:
10.59
